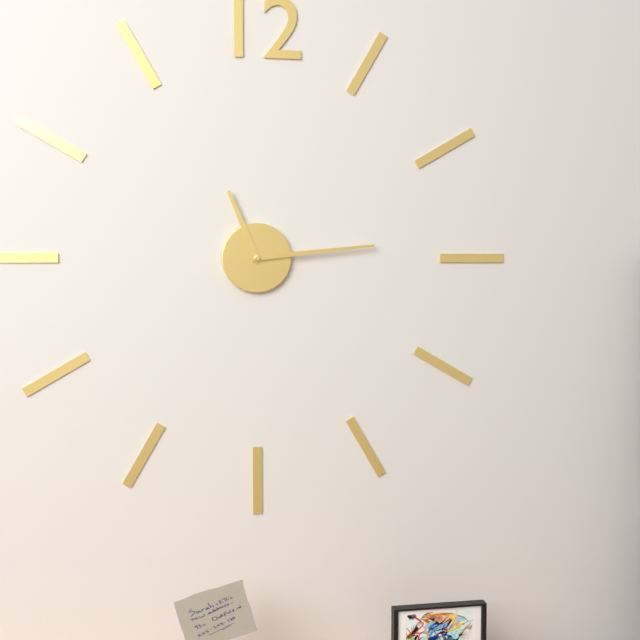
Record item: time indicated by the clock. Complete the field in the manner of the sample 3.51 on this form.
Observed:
11.14
